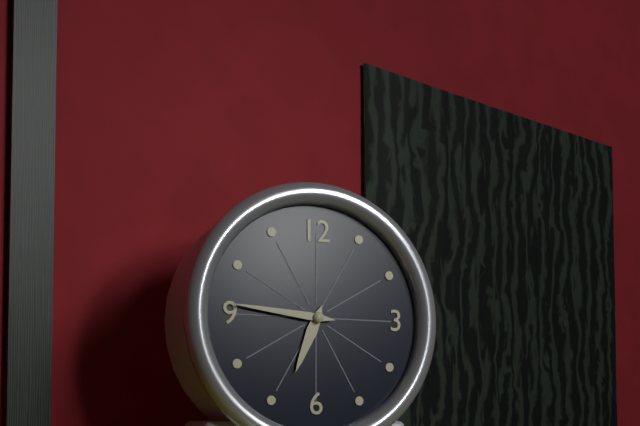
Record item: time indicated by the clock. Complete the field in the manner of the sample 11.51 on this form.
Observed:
6.46
